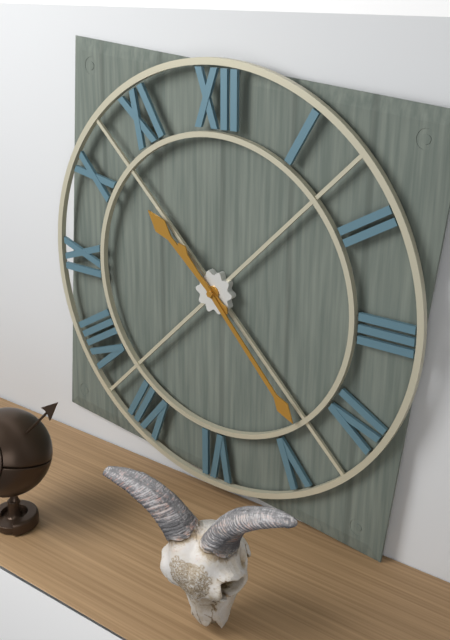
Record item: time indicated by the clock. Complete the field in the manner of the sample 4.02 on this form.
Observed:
10.23
